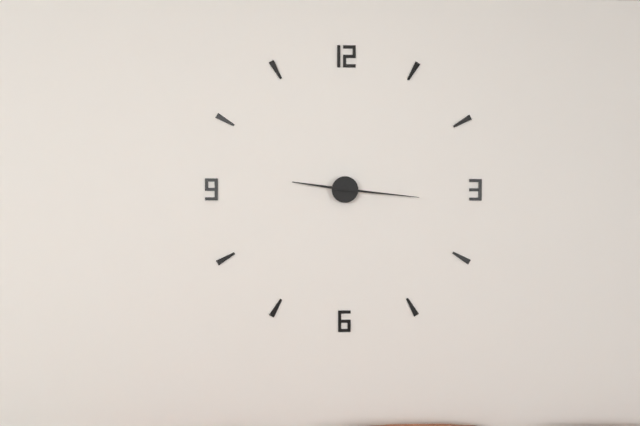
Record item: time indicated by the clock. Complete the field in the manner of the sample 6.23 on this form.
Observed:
9.16
